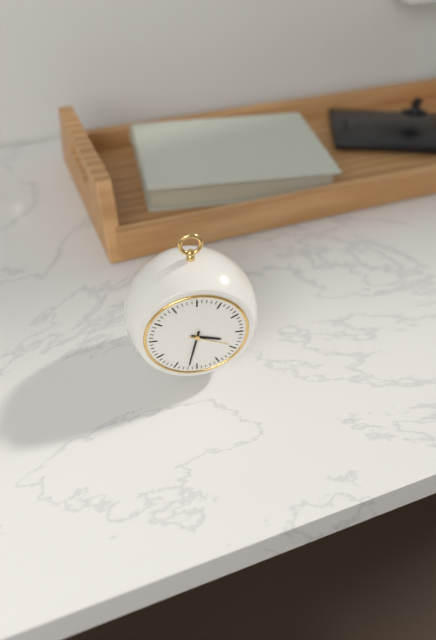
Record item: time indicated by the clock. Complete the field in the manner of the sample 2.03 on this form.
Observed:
3.32
